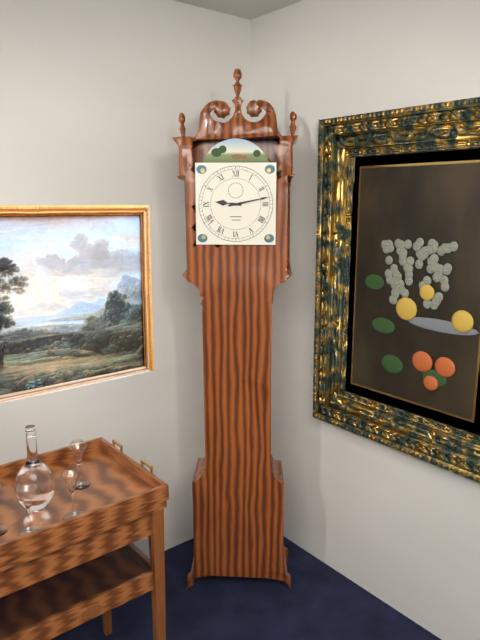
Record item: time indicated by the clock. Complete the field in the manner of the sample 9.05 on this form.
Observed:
9.13
